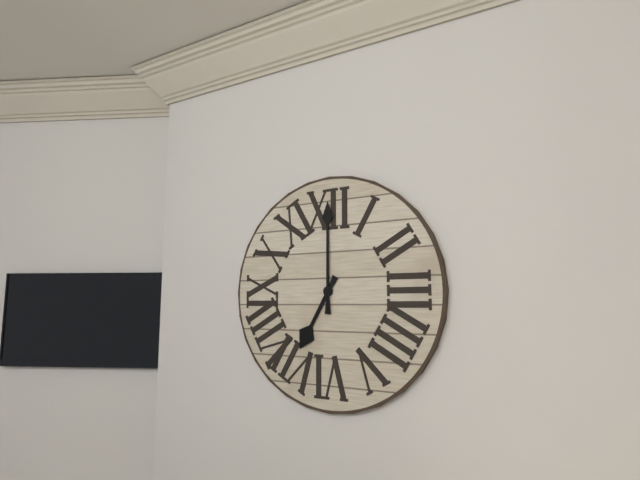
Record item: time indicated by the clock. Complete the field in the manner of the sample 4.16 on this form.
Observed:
7.00
